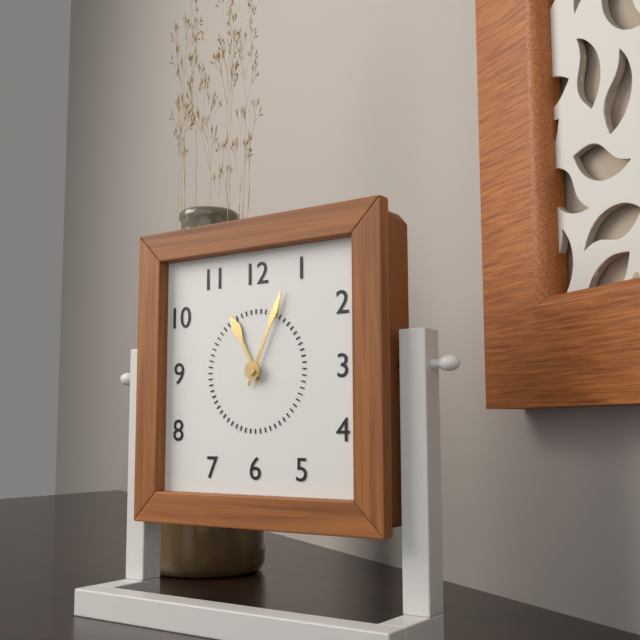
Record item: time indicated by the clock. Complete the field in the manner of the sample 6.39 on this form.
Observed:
11.04
